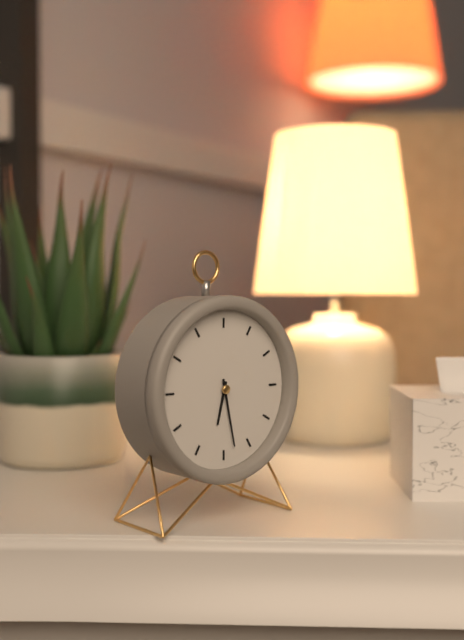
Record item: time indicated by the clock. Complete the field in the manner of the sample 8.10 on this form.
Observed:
6.28
